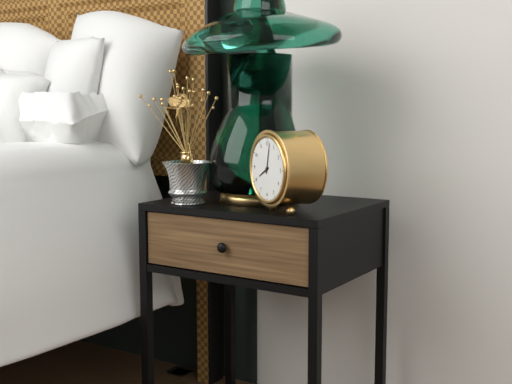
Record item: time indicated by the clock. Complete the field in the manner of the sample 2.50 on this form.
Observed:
8.02
